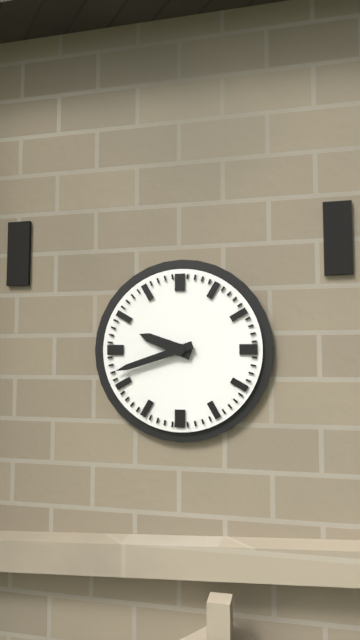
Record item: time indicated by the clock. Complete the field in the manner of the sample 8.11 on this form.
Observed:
9.42
